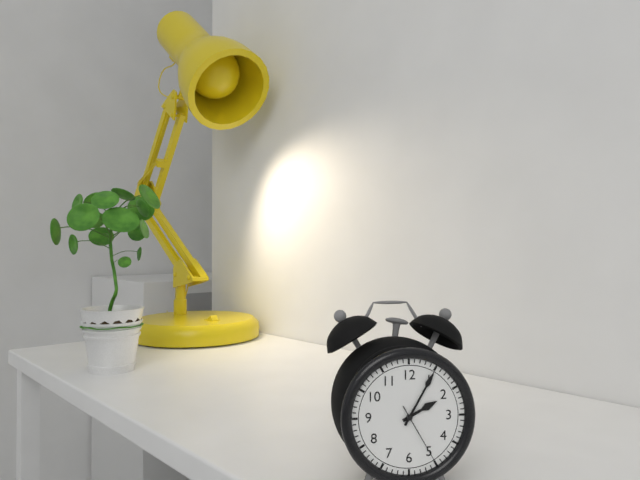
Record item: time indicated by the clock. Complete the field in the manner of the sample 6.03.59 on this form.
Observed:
2.05.25
